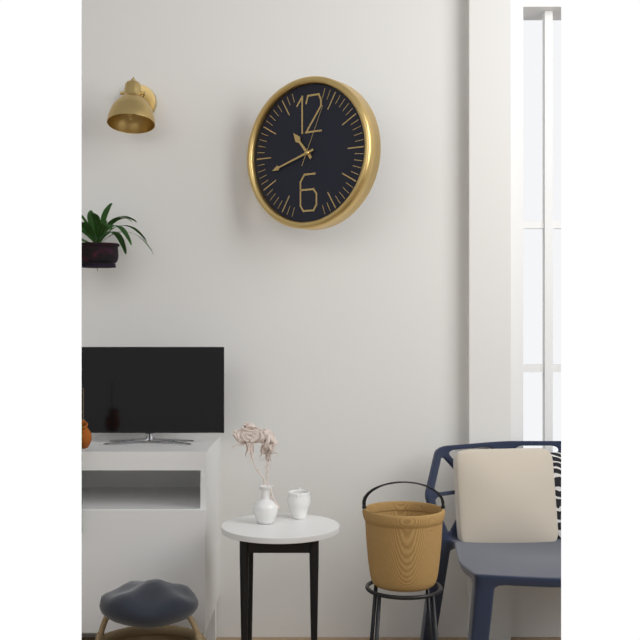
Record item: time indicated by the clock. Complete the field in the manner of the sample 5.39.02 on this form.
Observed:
10.42.04
